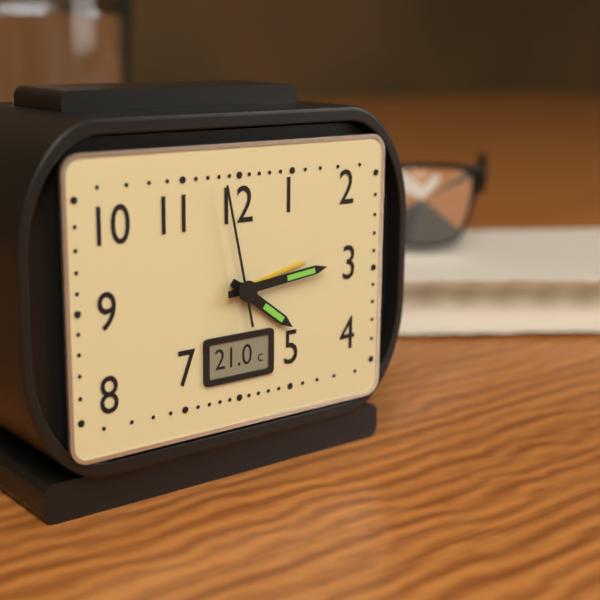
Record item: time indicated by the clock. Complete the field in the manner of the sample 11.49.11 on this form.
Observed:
4.14.58
